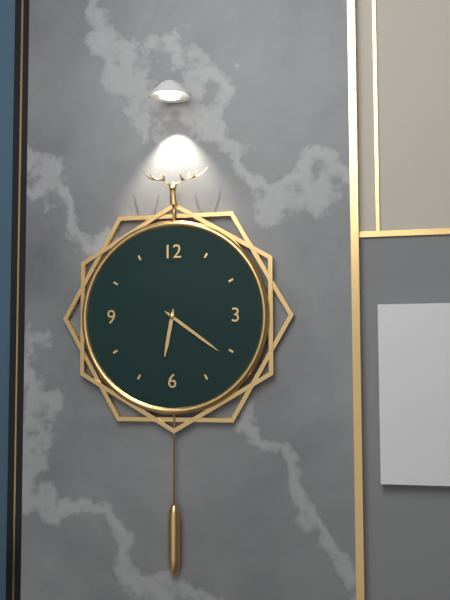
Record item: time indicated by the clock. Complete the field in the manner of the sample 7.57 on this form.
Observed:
6.21
